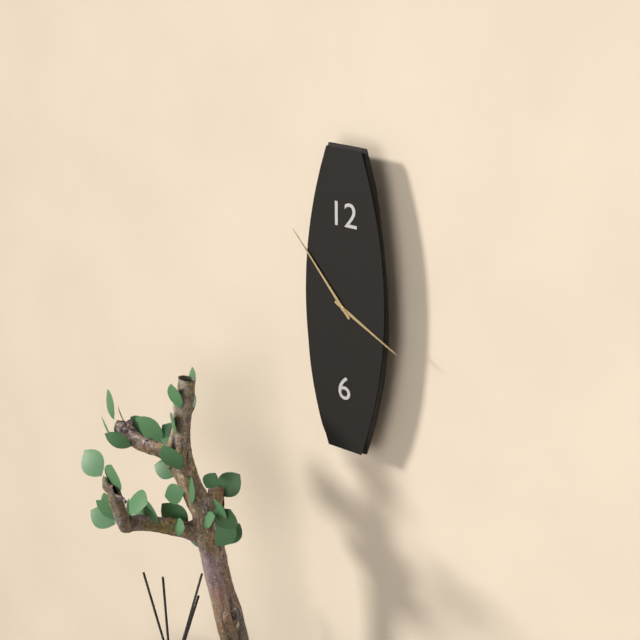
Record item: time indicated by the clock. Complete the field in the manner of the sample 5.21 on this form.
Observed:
3.53
